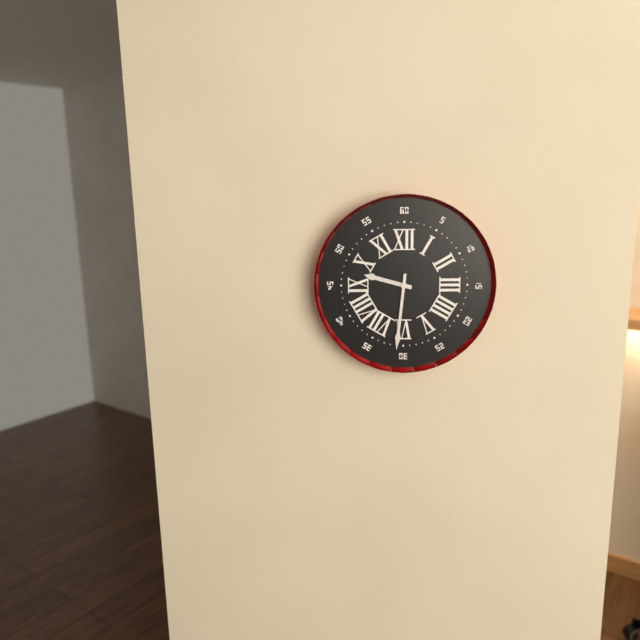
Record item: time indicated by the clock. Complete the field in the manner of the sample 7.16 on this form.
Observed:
9.31
